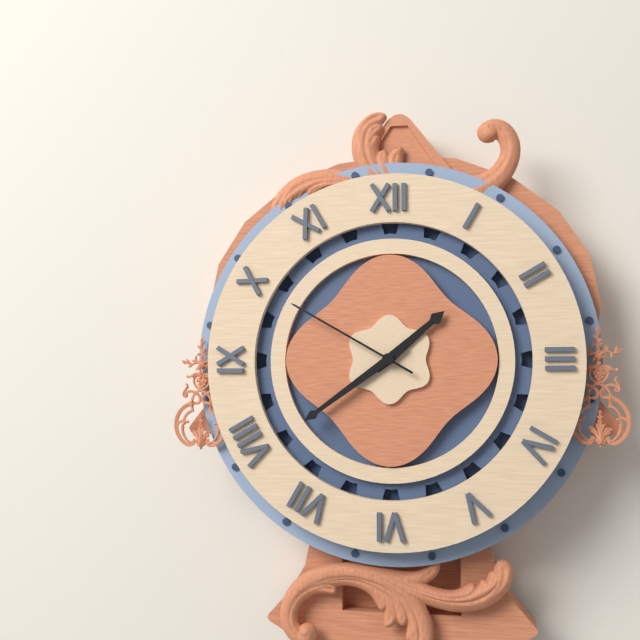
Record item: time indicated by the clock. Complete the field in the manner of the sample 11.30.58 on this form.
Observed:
1.39.50
